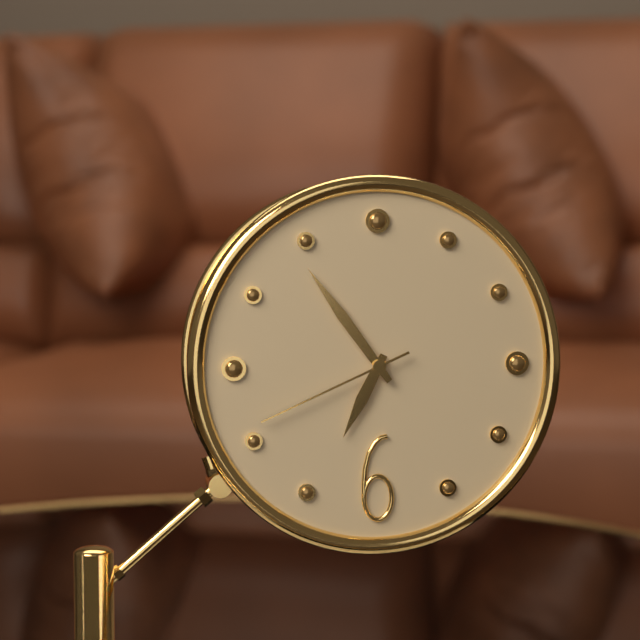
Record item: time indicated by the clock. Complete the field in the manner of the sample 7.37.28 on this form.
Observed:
6.54.41
